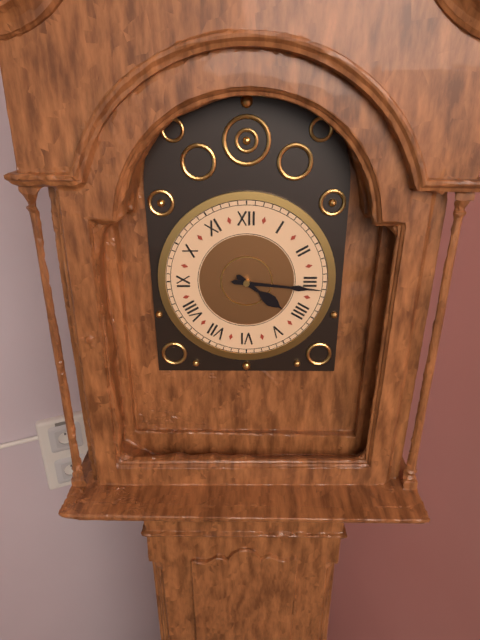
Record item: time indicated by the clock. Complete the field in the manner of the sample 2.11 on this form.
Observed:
4.16
